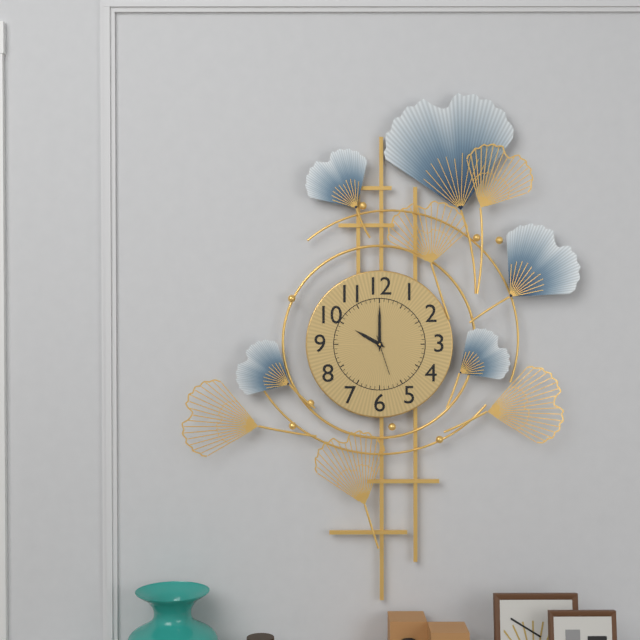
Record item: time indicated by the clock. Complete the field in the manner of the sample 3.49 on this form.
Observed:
10.00
